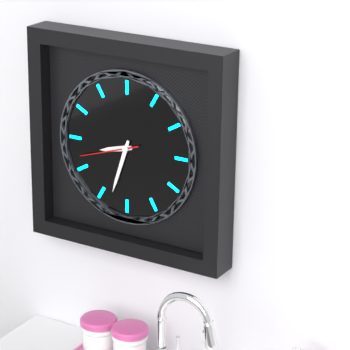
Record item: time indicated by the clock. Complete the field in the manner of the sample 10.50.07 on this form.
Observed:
8.33.42
